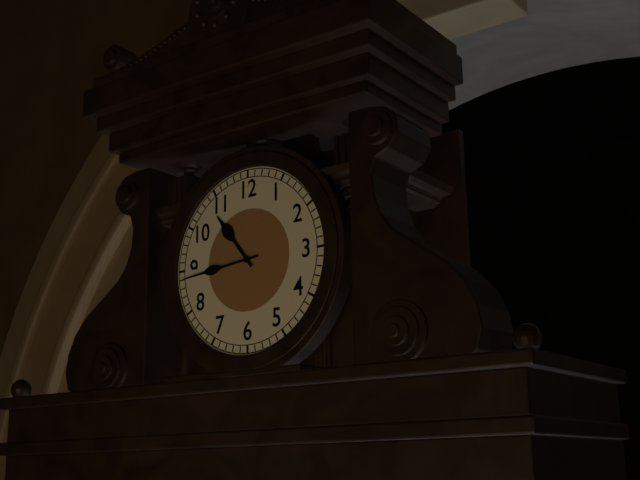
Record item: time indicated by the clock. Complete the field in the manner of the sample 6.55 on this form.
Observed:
10.44
